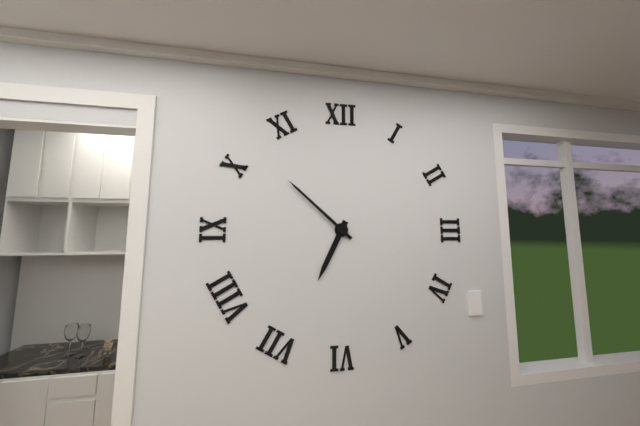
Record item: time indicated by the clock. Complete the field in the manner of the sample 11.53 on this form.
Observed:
6.52
